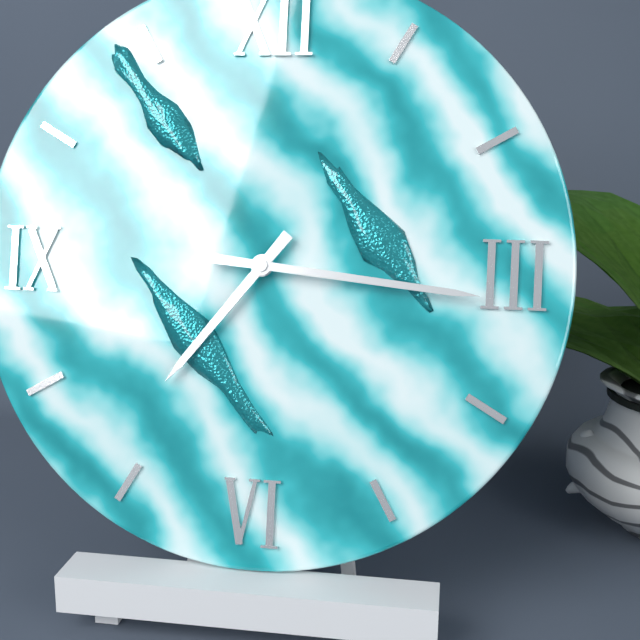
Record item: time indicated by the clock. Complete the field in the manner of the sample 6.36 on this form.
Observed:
7.16
